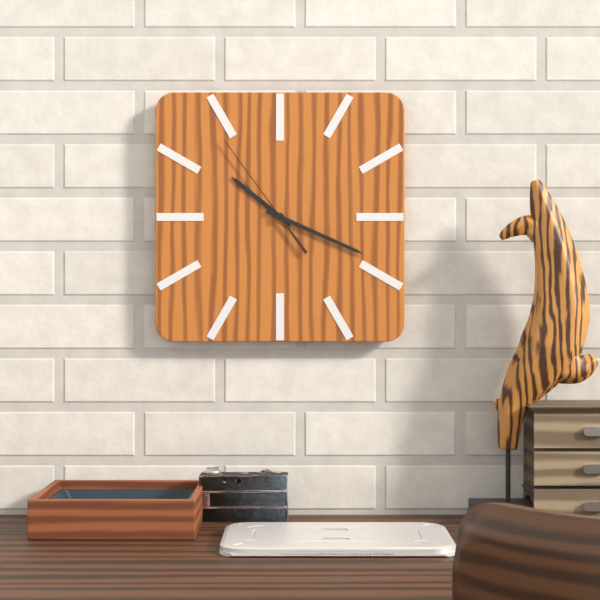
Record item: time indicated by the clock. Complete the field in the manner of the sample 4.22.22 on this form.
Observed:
10.19.54
